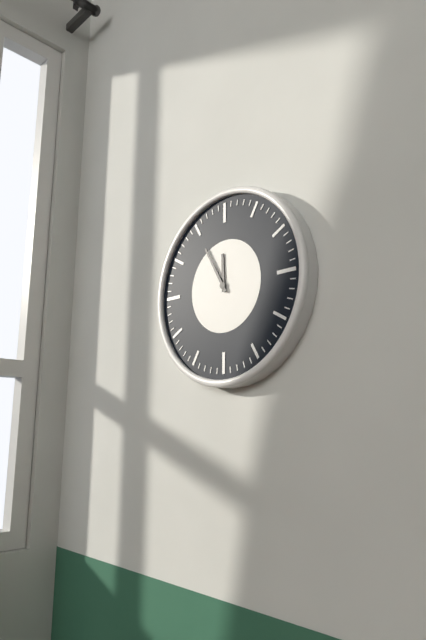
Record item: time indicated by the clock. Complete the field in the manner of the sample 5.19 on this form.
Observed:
11.55
